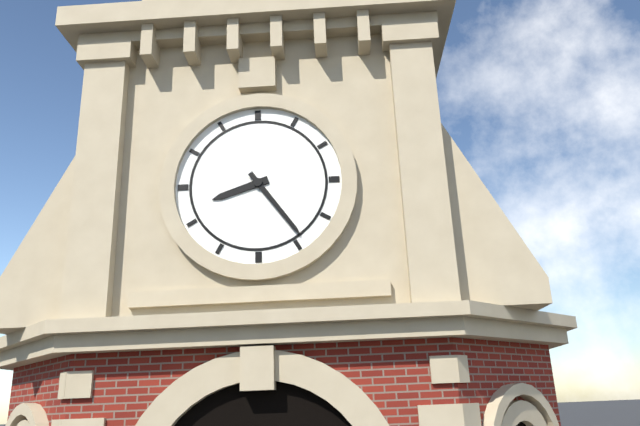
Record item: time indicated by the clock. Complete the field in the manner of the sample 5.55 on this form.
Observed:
8.24
